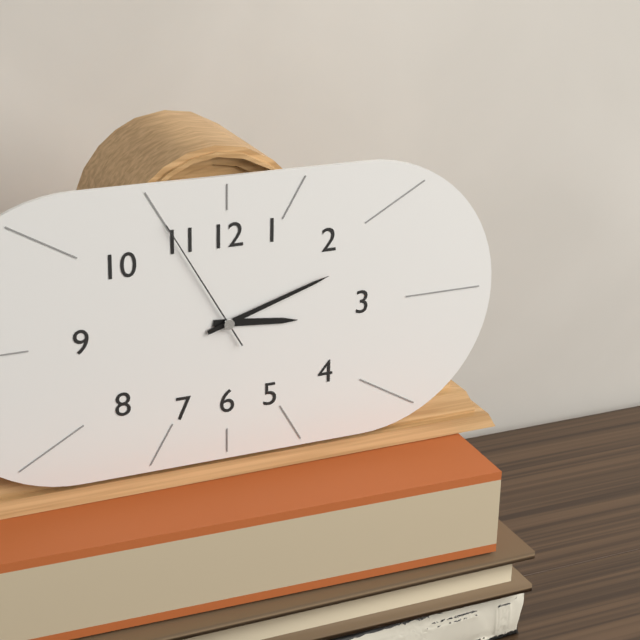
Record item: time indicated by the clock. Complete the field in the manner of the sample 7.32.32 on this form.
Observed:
3.12.55
